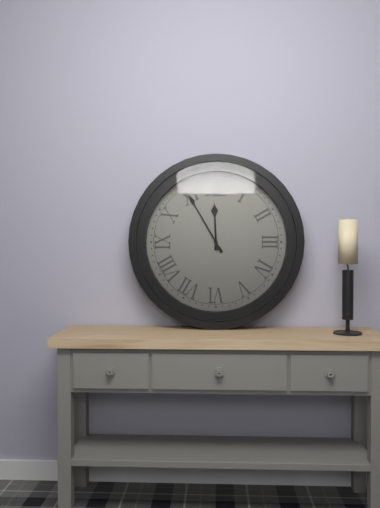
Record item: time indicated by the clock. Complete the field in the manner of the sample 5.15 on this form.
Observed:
11.55
